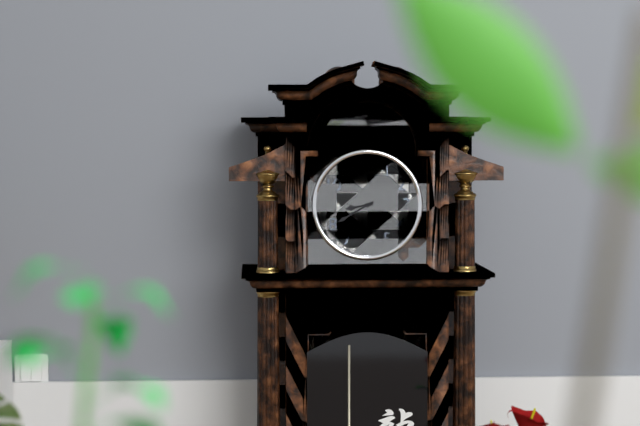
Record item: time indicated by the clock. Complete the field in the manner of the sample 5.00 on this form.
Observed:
8.40
